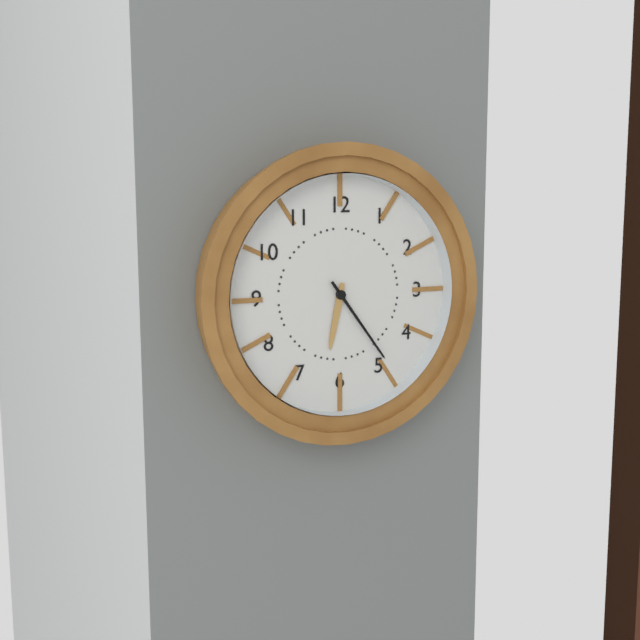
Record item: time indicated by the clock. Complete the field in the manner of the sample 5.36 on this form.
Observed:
6.24
